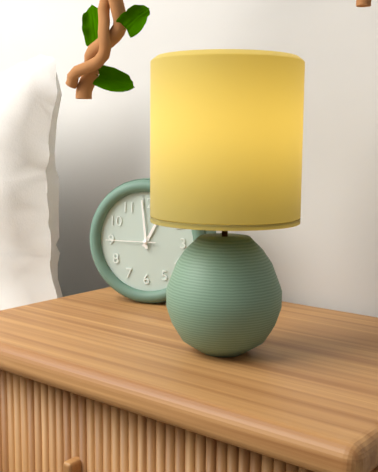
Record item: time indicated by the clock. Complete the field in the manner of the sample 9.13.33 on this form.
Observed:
12.59.45
